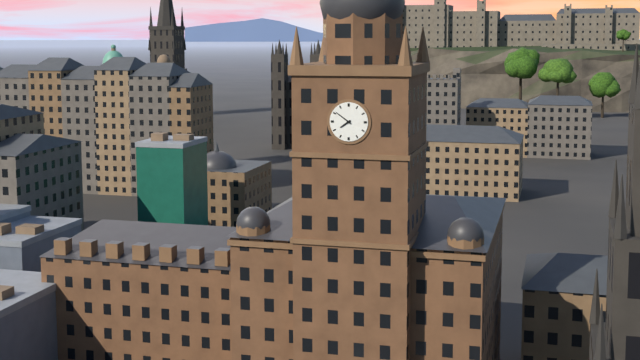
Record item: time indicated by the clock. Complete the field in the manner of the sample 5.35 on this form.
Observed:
7.51
